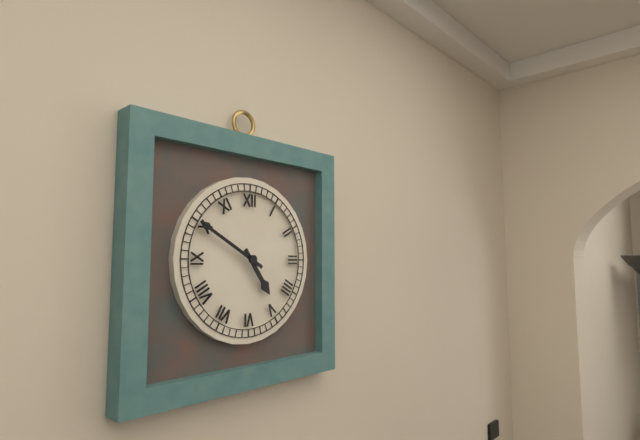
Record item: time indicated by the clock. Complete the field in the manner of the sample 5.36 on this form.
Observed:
4.50
